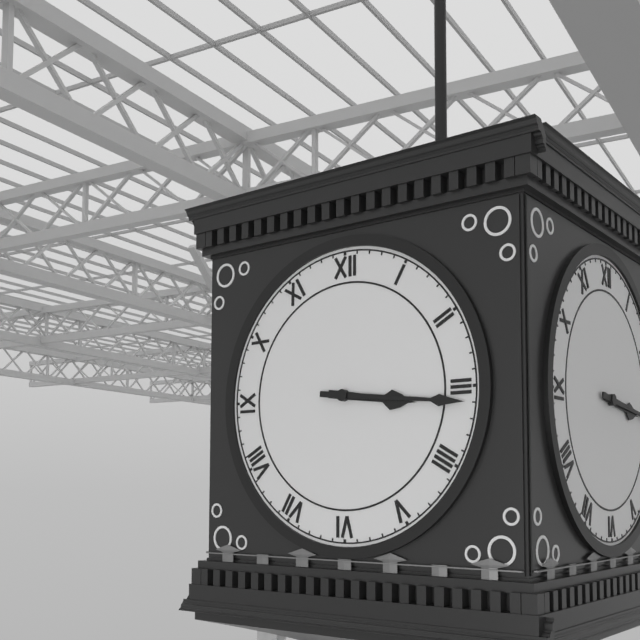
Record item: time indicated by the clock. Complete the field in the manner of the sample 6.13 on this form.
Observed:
3.16
